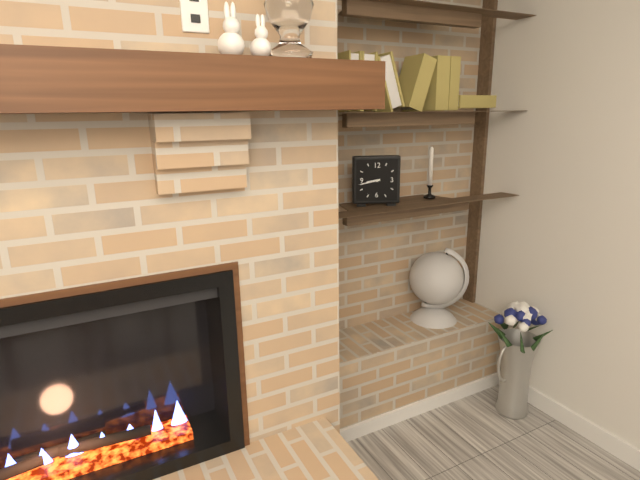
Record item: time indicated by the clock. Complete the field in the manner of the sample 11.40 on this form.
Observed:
8.43
